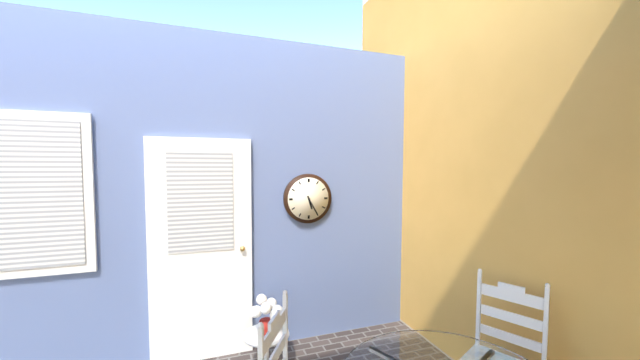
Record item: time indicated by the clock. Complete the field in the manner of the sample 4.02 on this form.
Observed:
5.25
